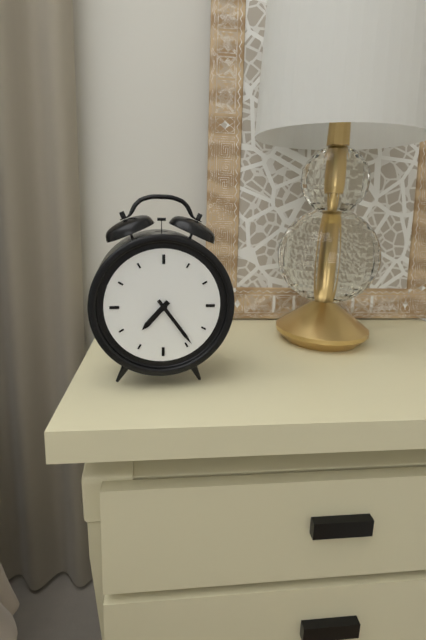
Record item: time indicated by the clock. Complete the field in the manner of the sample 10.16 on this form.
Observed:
7.24
